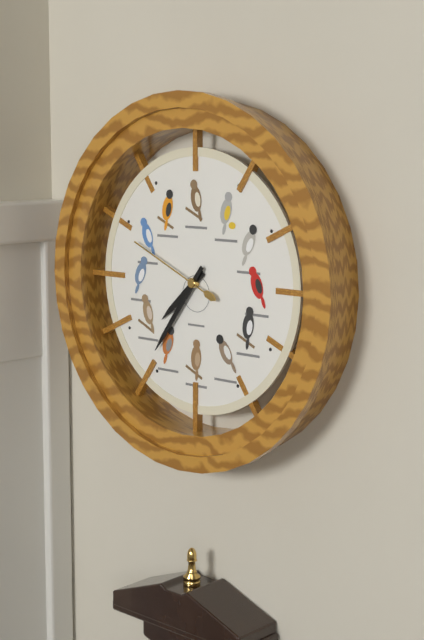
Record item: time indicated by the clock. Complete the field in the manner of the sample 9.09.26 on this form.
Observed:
7.36.49
